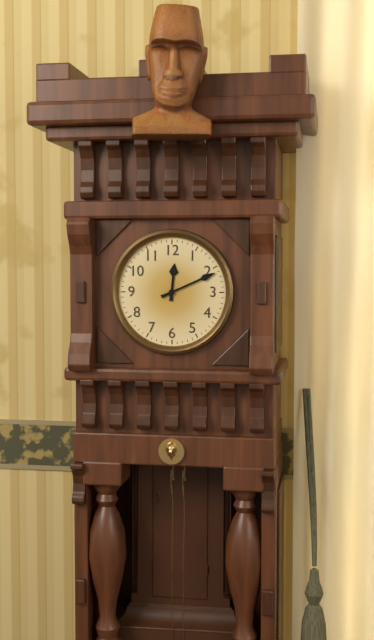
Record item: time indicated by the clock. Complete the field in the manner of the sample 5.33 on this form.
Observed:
12.11
